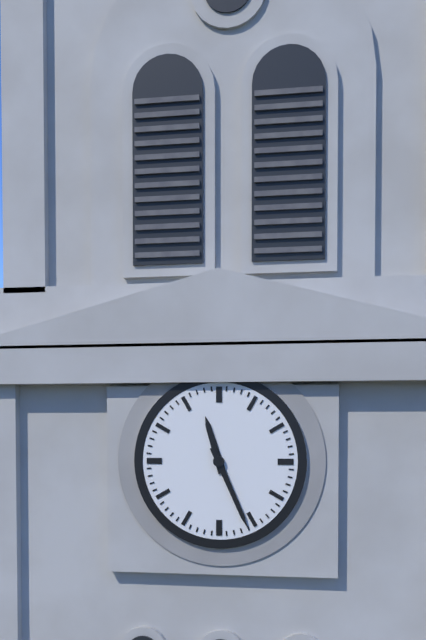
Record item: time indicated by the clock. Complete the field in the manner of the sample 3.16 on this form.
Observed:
11.26
